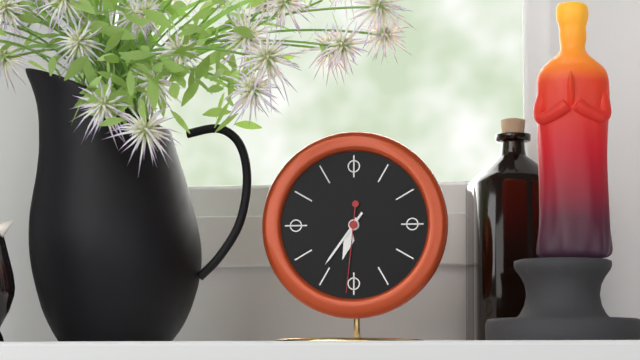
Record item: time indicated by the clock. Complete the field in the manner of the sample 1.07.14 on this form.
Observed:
6.36.31
